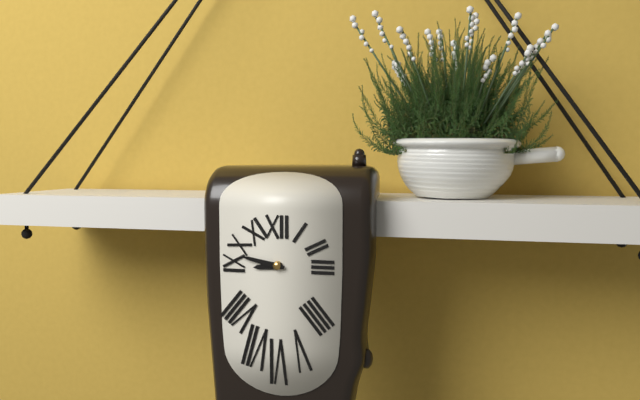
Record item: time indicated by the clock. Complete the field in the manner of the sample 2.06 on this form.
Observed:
8.47
